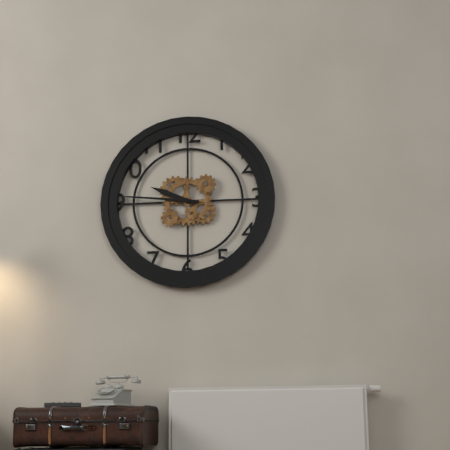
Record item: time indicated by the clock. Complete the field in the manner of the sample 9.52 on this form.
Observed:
9.46
